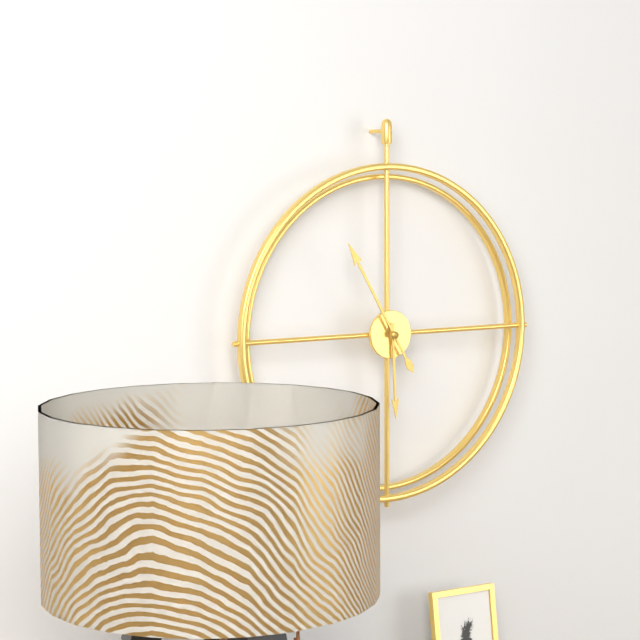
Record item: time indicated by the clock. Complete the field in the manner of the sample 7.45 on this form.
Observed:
5.55
